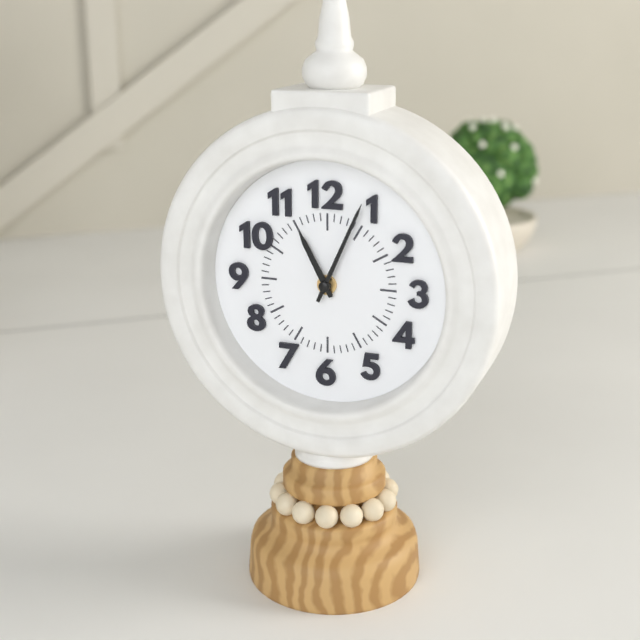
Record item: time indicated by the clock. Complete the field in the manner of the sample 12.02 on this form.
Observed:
11.04
